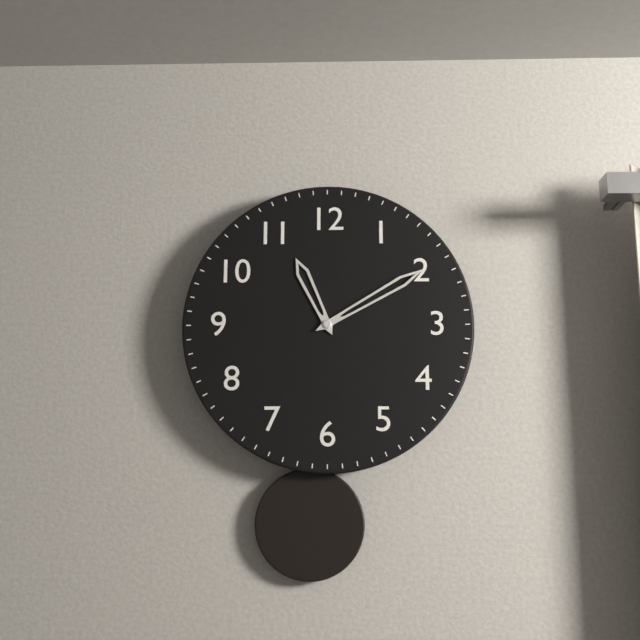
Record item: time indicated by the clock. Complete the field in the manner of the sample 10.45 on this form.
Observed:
11.10
